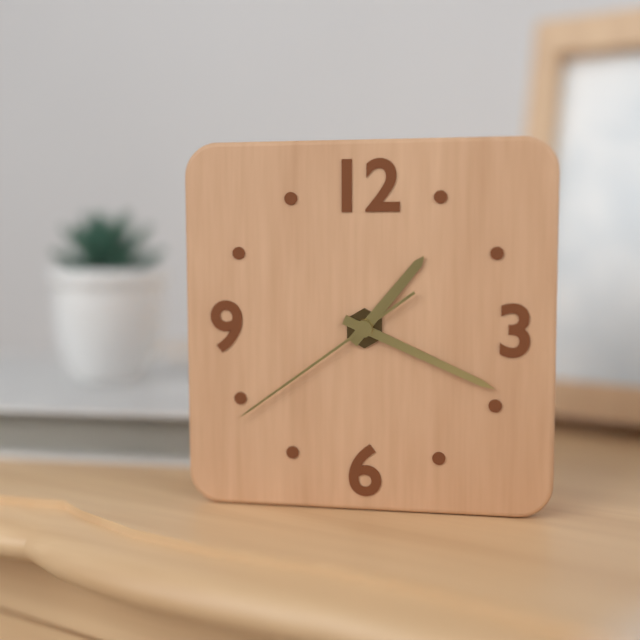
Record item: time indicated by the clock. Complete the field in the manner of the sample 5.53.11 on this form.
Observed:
1.19.39
